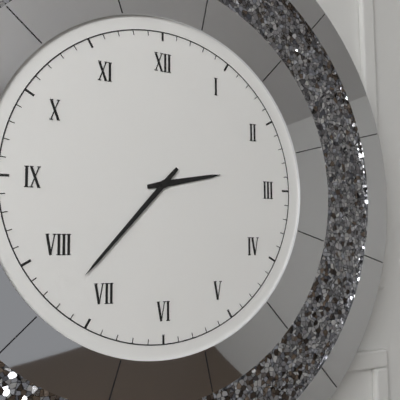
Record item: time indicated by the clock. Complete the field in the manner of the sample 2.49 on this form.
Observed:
2.37
